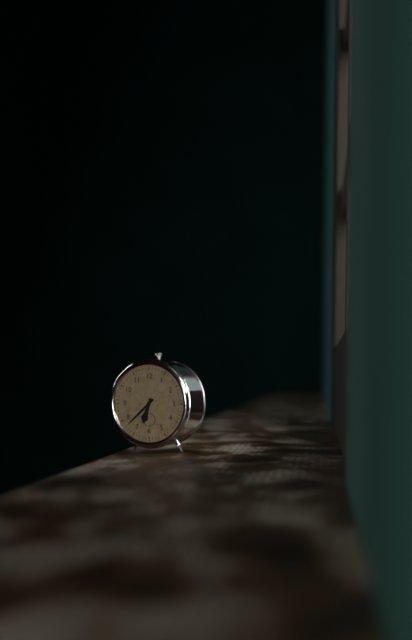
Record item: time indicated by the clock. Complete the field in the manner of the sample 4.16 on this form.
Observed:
6.38
